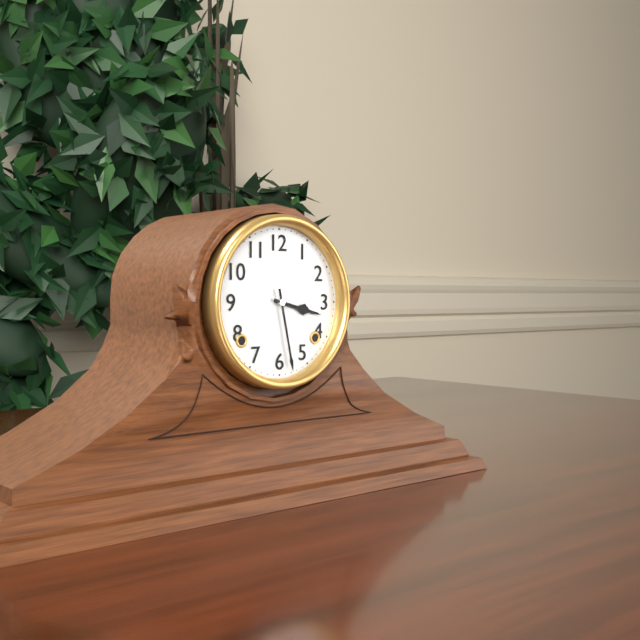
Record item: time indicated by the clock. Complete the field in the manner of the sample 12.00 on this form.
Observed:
3.28
